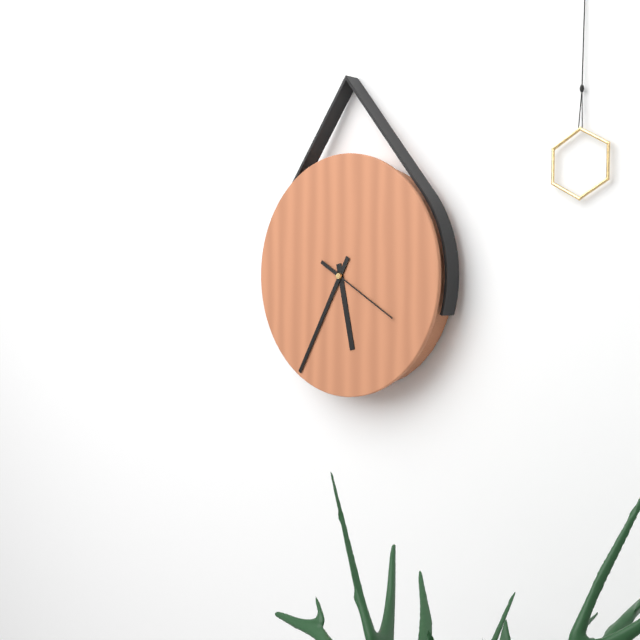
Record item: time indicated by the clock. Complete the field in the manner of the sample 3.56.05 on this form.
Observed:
5.35.20
